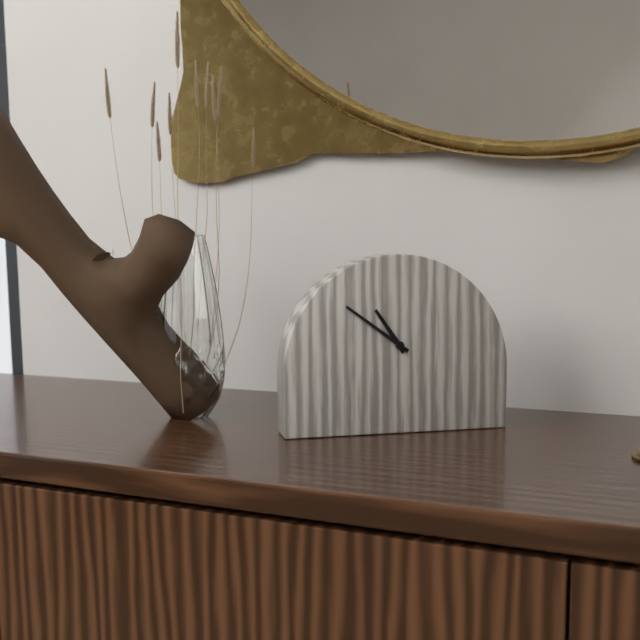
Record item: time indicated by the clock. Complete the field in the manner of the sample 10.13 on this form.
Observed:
10.51
